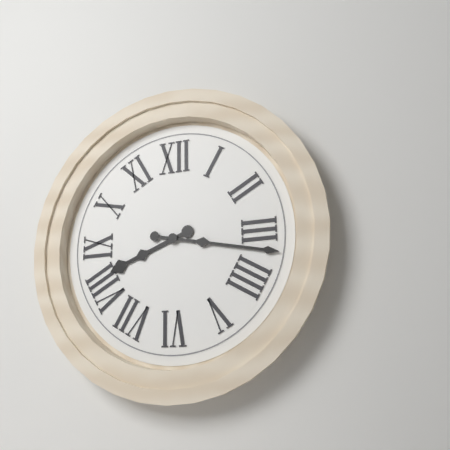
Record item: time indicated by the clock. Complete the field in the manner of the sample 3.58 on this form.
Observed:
8.17
